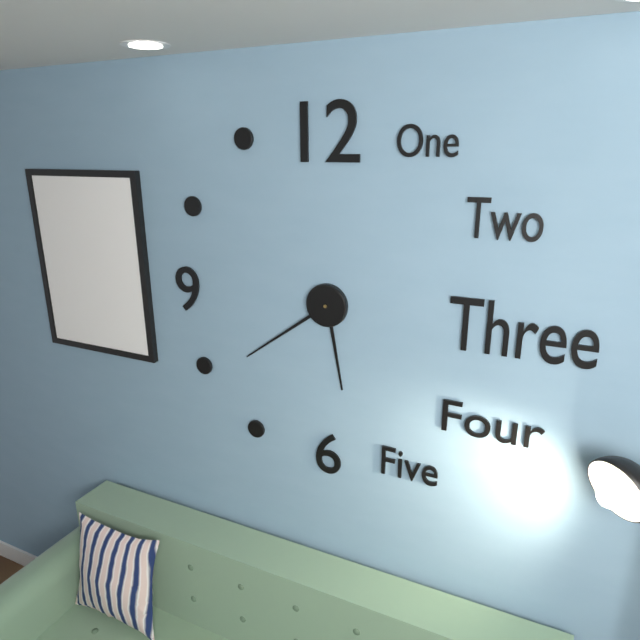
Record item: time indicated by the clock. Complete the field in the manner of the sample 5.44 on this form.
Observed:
5.39
